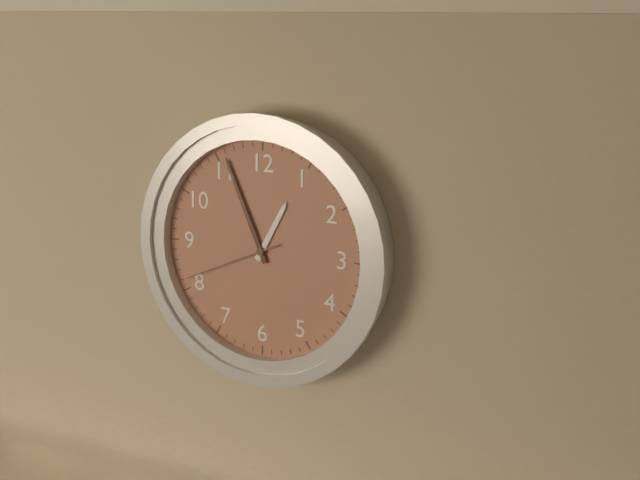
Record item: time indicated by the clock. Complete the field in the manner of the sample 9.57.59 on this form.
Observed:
12.56.41
